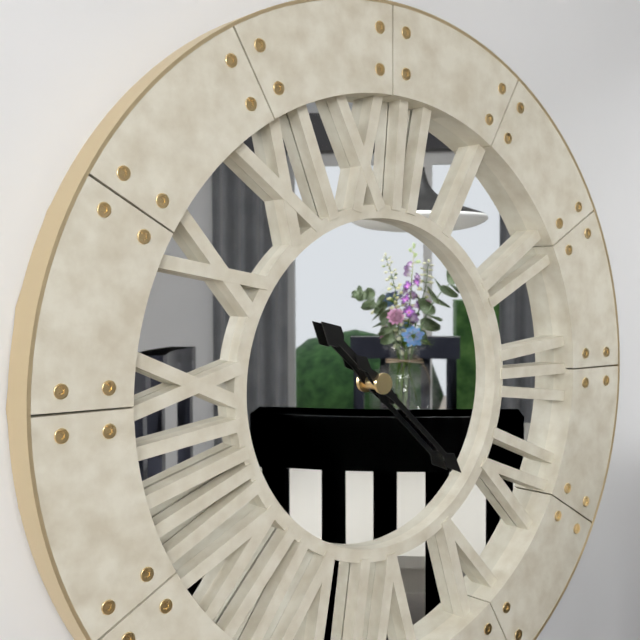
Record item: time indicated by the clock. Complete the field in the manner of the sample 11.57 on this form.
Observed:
10.22
